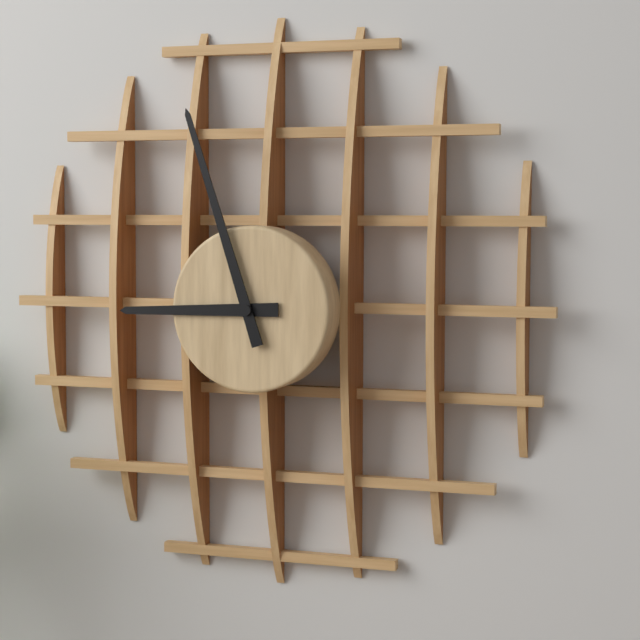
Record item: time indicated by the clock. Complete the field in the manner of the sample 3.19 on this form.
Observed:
8.57
